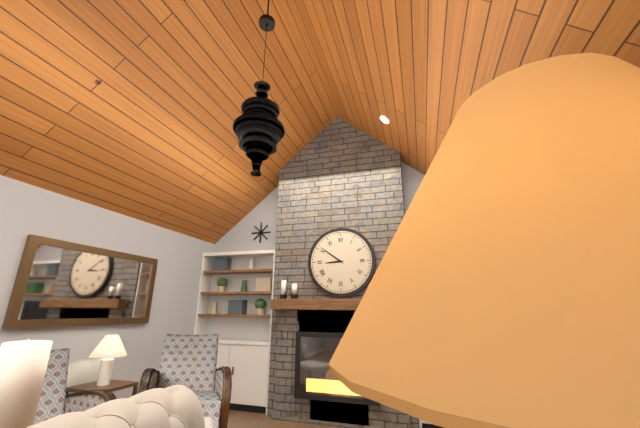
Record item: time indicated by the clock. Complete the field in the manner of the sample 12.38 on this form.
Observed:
8.51
